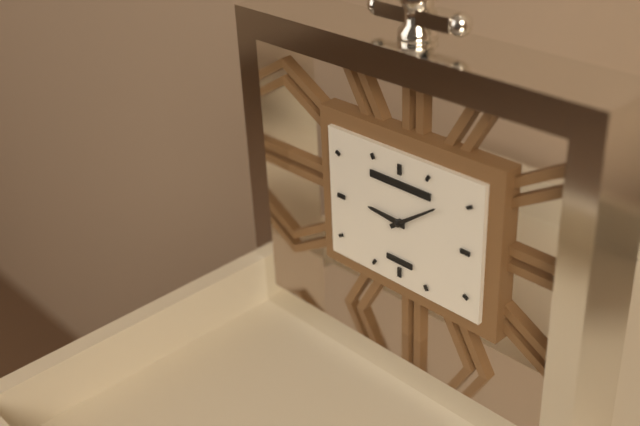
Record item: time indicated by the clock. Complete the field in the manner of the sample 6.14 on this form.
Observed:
9.09
